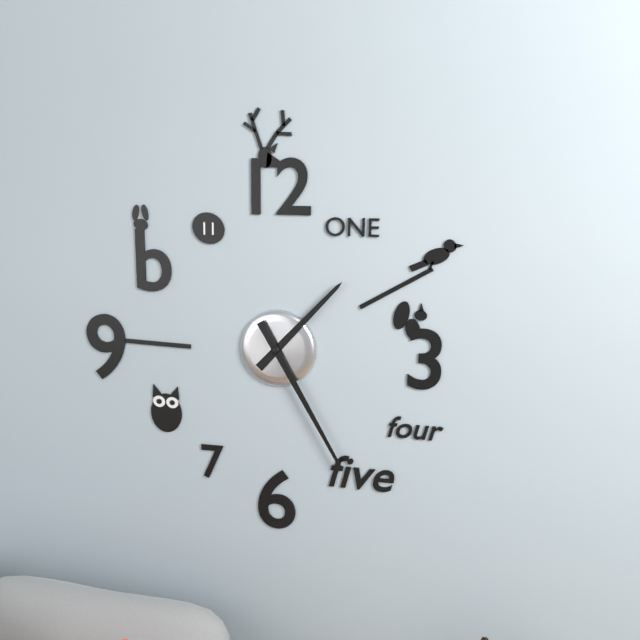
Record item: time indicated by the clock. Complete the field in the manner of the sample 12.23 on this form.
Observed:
1.25
